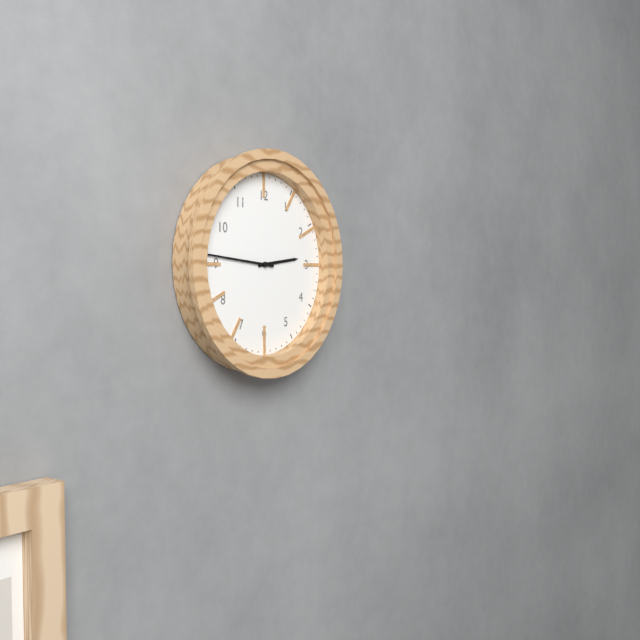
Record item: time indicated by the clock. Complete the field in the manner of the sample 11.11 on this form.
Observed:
2.46
